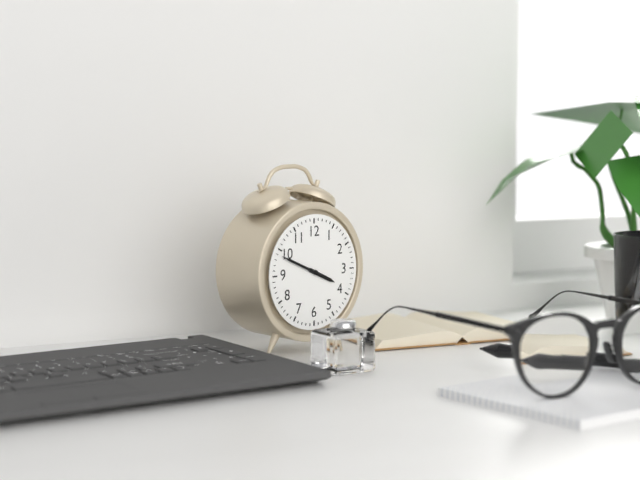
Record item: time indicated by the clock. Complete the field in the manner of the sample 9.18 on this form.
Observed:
3.49
